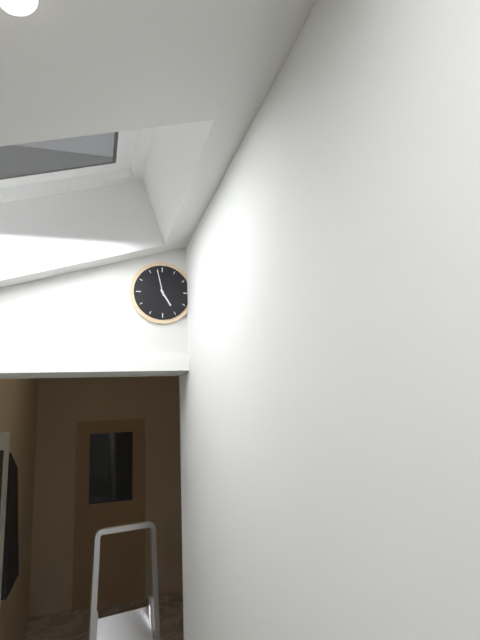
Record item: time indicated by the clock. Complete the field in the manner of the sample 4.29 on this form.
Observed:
4.58
